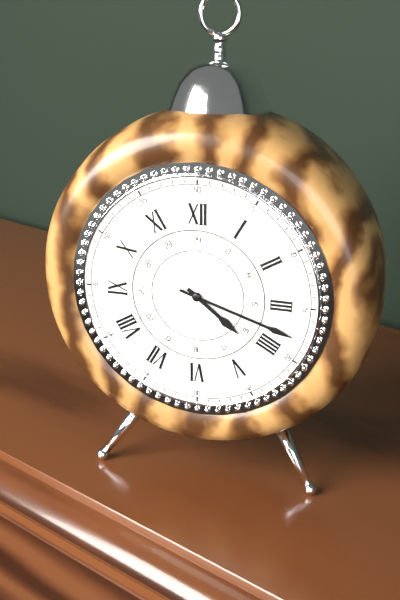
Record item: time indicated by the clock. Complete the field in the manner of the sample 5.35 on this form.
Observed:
4.18
